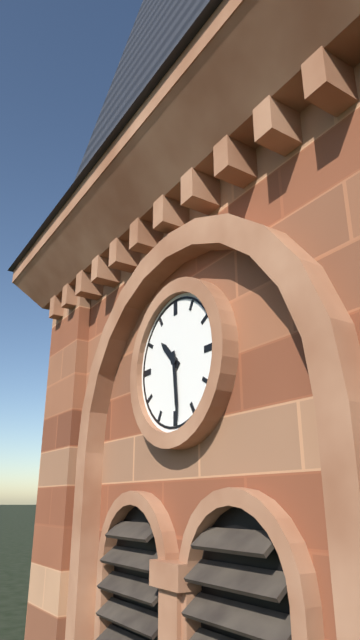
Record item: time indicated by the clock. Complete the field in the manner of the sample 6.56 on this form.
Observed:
10.29
